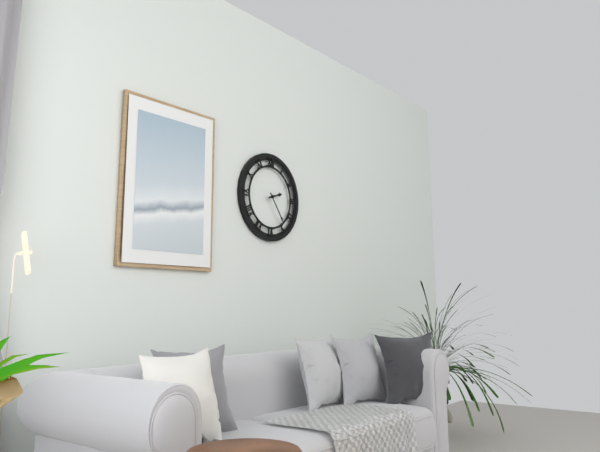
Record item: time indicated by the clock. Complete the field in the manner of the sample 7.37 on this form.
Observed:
2.24
